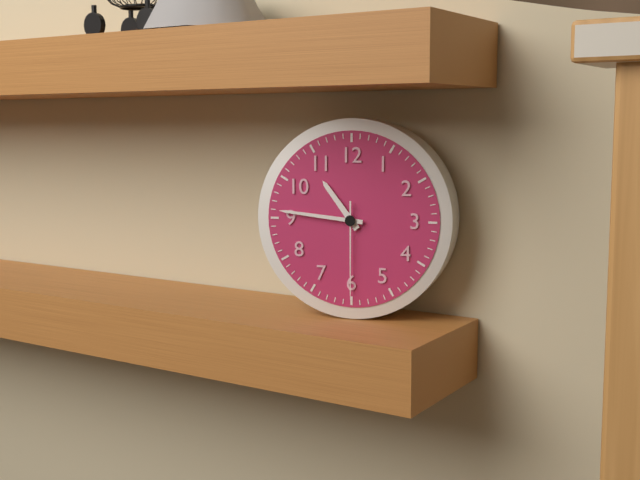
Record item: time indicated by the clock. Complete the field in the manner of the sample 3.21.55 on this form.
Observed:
10.46.30
